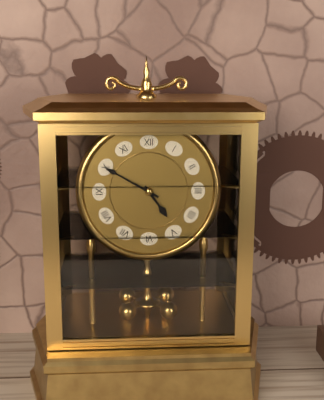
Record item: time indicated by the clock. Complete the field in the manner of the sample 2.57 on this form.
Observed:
4.50
